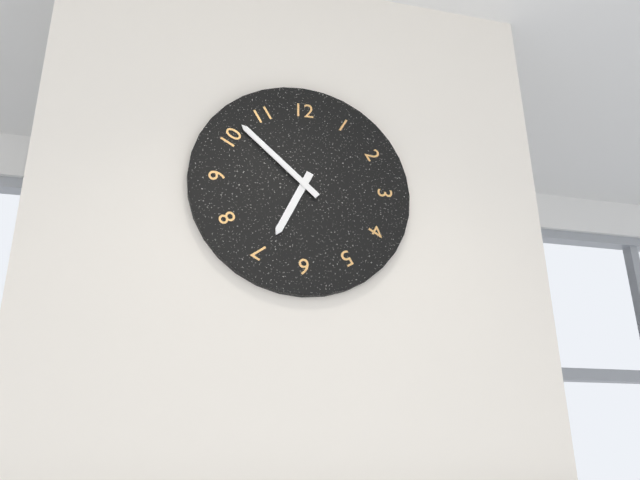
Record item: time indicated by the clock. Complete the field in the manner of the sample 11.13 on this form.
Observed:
6.52
